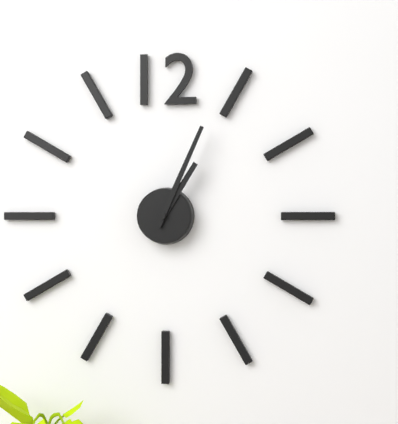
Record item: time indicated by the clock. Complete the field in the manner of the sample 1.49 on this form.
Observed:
1.04
